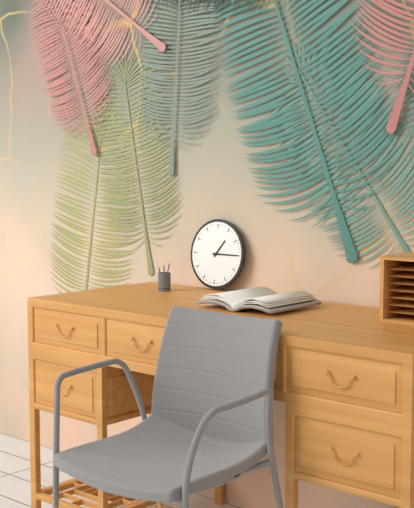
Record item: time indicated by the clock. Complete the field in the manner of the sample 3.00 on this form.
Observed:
1.15
